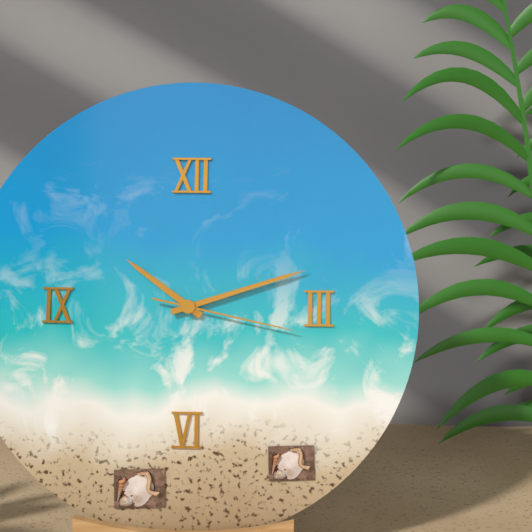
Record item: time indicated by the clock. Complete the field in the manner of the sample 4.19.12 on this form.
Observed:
10.12.17
